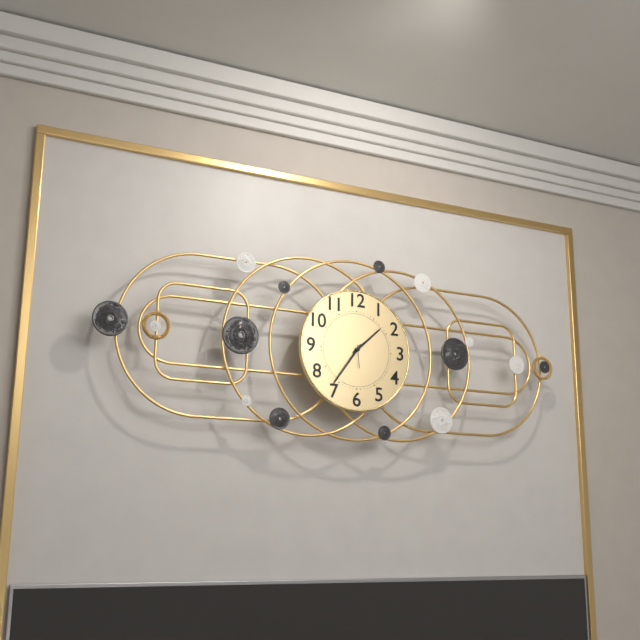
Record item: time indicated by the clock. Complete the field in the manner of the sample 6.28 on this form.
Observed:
1.36
